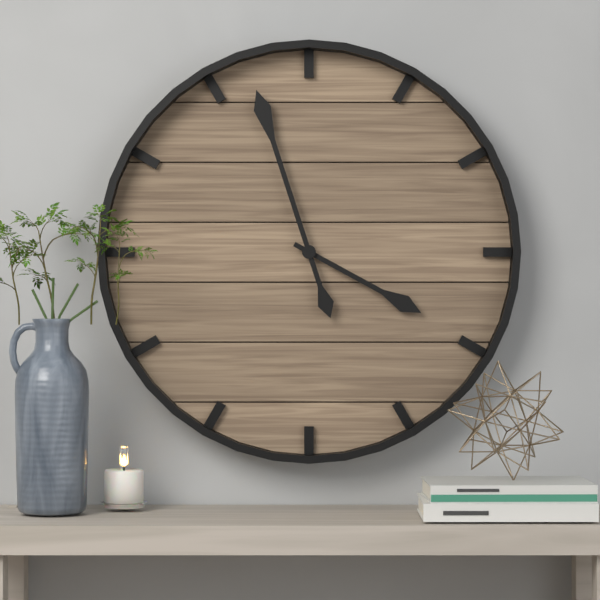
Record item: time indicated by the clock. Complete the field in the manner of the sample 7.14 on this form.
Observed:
3.57
